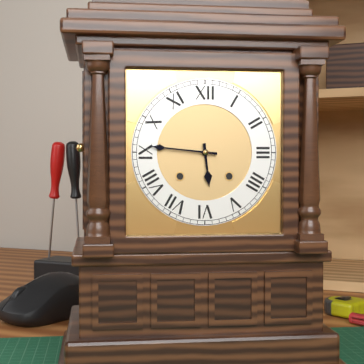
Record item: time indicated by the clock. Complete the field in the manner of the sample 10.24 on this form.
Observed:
5.46
